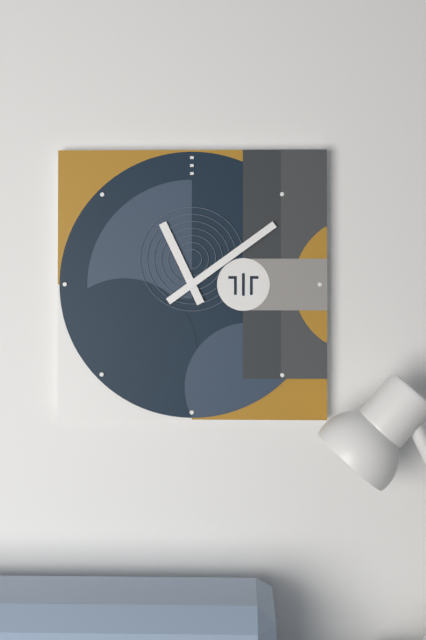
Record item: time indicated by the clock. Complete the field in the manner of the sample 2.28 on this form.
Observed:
11.09
